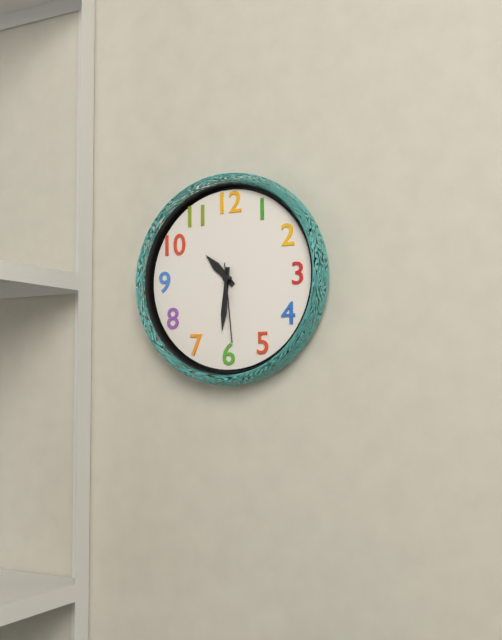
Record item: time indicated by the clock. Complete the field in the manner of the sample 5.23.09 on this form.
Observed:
10.31.29
